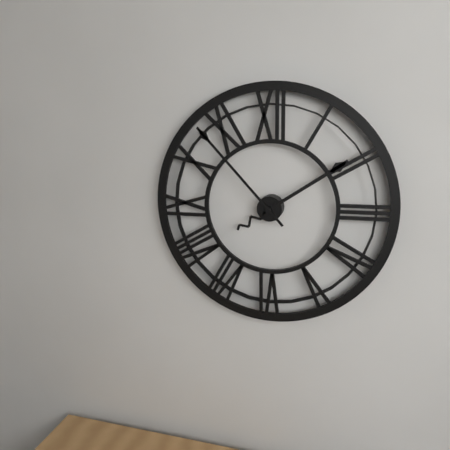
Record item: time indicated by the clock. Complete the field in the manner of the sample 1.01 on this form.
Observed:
1.53
